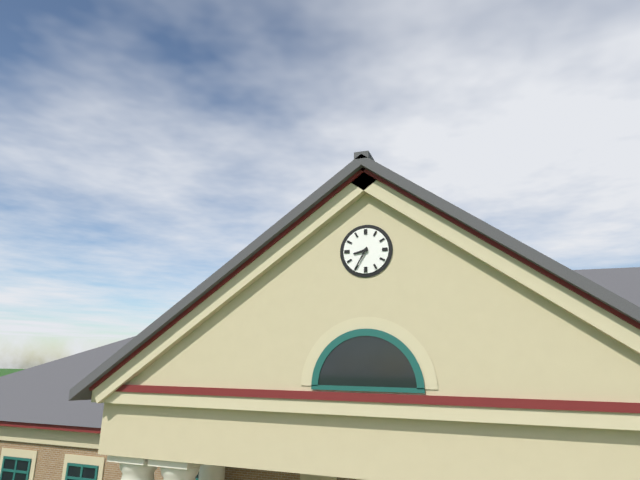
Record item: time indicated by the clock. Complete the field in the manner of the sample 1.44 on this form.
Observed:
8.35
